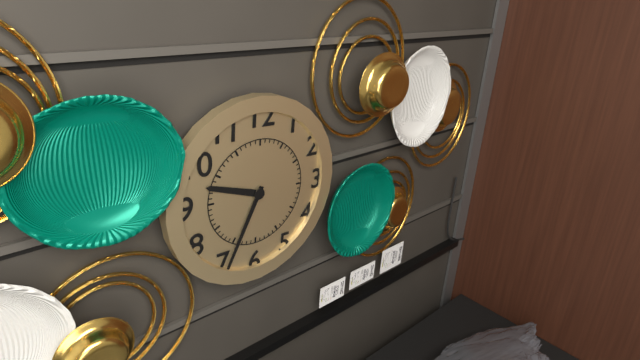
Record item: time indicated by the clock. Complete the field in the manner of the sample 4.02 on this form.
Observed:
9.34
